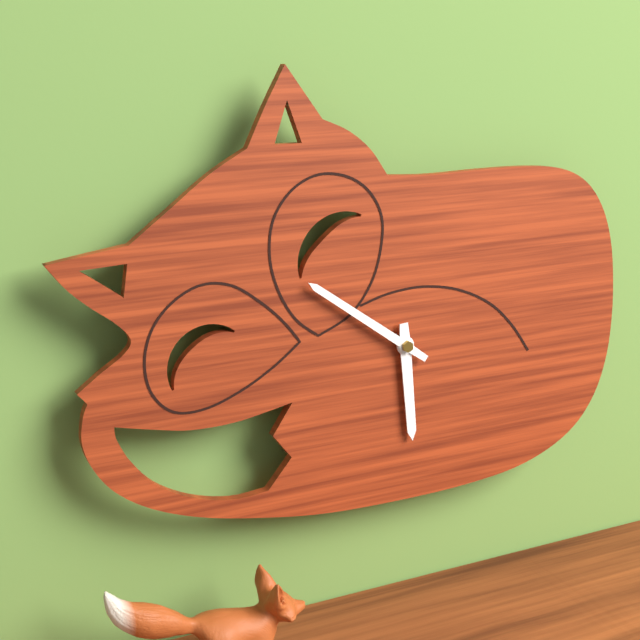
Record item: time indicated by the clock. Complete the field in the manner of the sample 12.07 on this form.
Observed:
5.51
